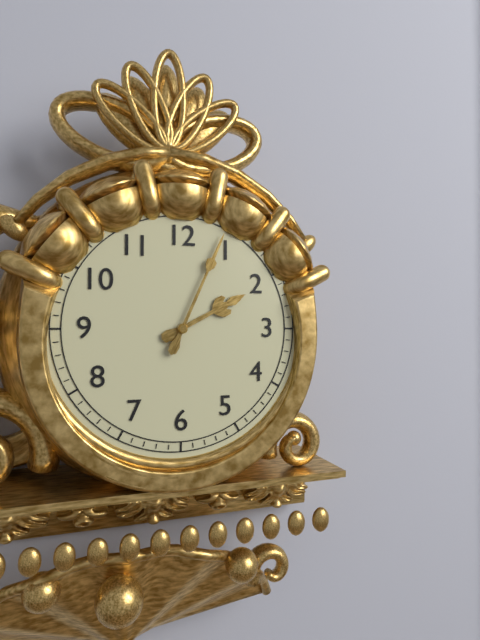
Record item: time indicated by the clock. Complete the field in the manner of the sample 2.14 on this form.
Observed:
2.04
